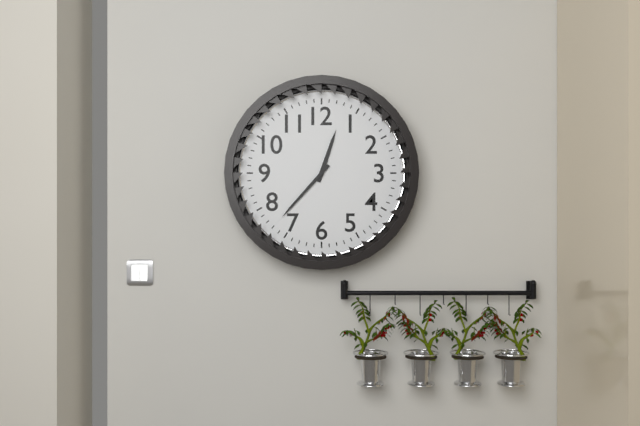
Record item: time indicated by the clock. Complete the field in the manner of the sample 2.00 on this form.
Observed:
12.37
